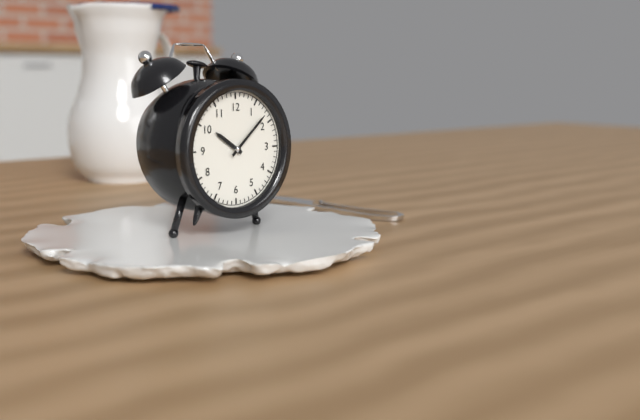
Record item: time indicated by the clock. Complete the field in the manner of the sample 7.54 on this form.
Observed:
10.08
